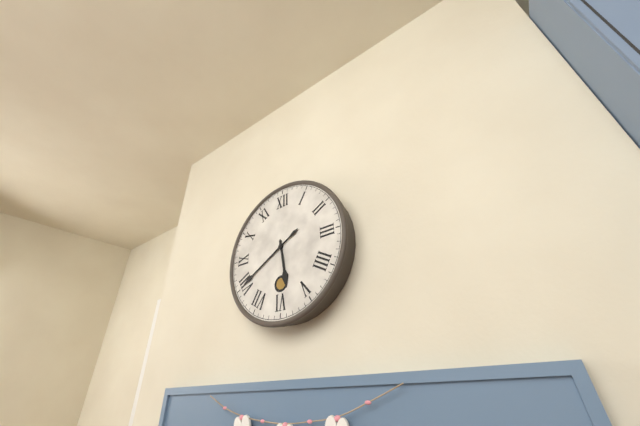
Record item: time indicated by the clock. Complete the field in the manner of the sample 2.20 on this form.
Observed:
5.40
